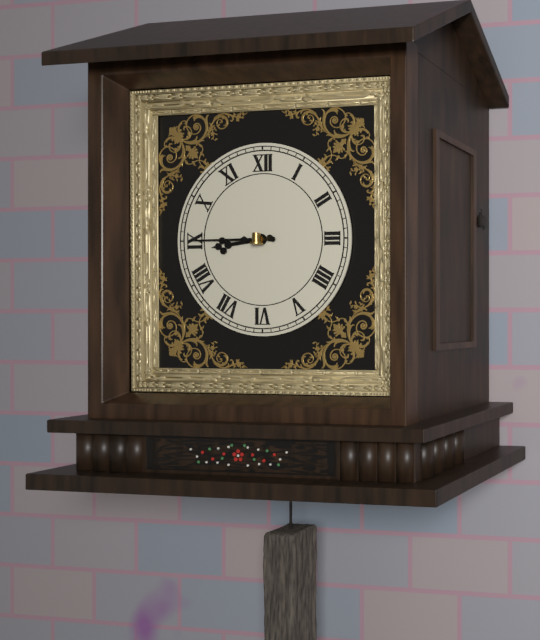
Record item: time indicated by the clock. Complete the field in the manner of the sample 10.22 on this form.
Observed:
8.45
